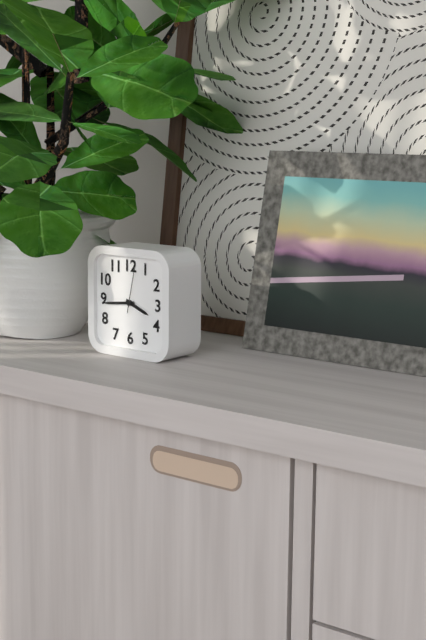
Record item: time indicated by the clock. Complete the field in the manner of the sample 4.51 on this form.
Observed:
3.44
